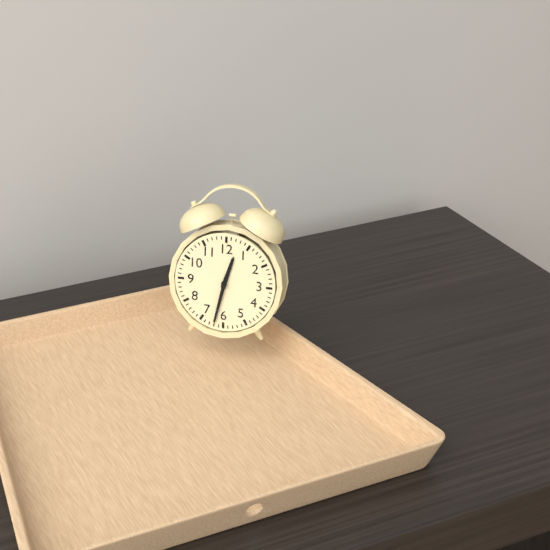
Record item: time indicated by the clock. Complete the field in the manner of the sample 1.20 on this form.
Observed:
12.32
